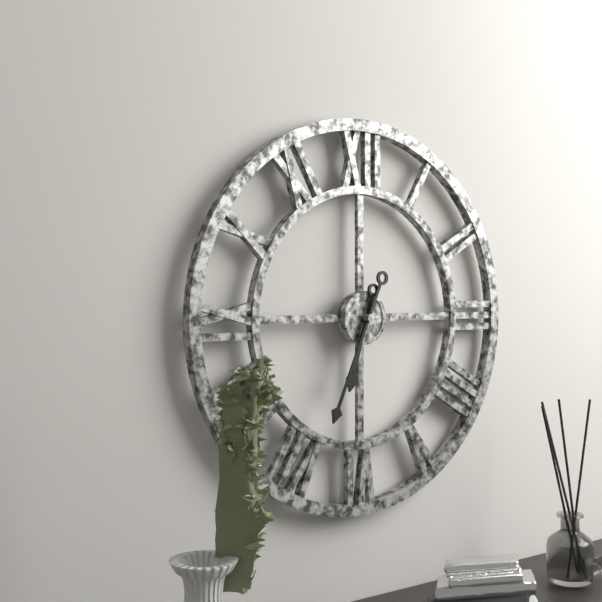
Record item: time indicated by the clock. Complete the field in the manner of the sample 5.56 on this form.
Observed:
6.34
